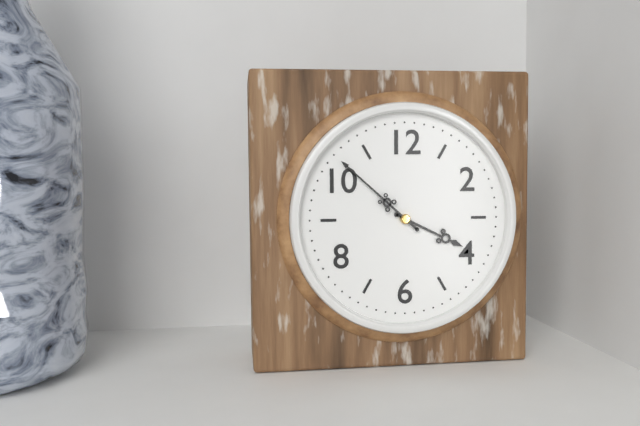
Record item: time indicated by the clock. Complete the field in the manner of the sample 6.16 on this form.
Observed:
3.52
